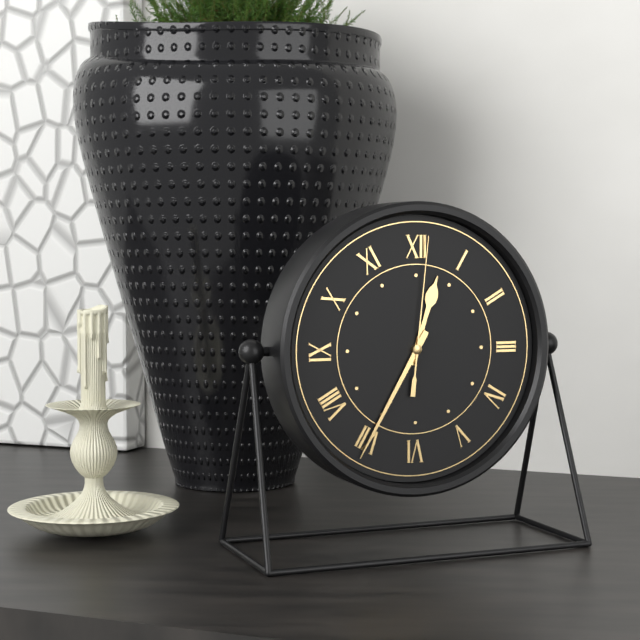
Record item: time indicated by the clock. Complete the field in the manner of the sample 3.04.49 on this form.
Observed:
12.35.01
